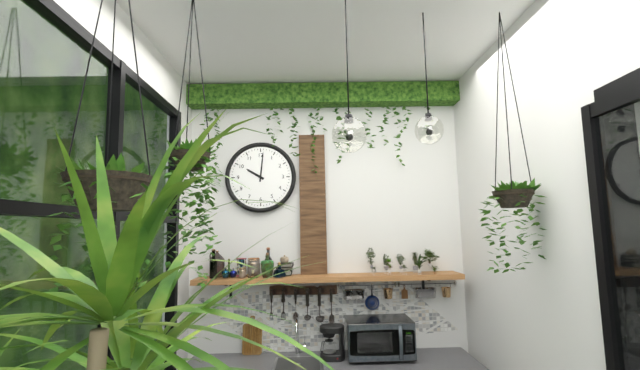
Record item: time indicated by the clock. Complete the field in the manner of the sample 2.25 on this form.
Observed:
10.01
